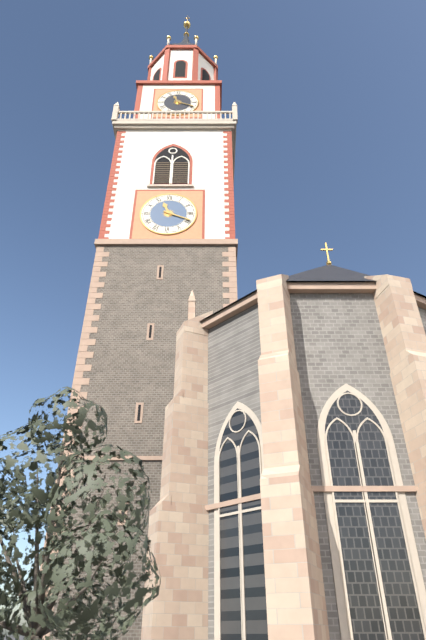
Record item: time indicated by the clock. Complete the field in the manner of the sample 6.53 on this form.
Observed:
11.19
